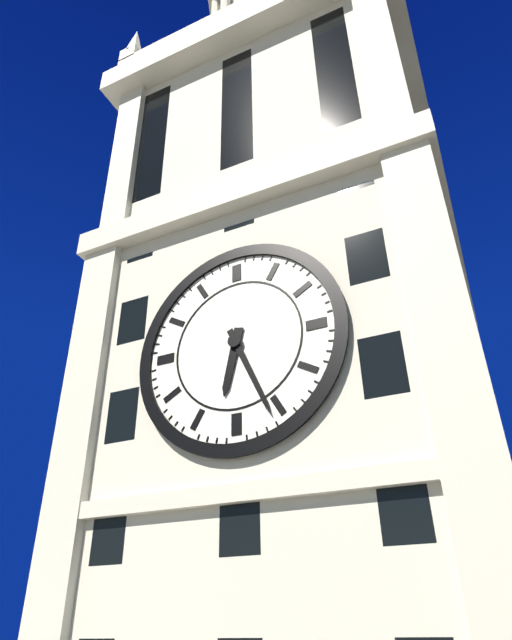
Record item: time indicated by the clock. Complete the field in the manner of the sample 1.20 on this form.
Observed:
6.26
